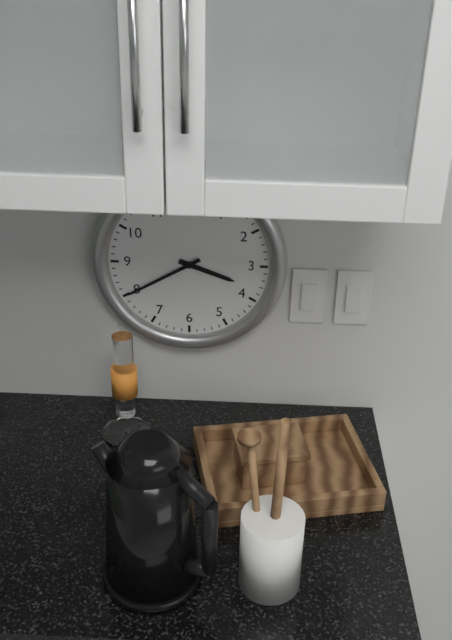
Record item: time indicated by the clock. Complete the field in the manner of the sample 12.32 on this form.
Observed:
3.40
